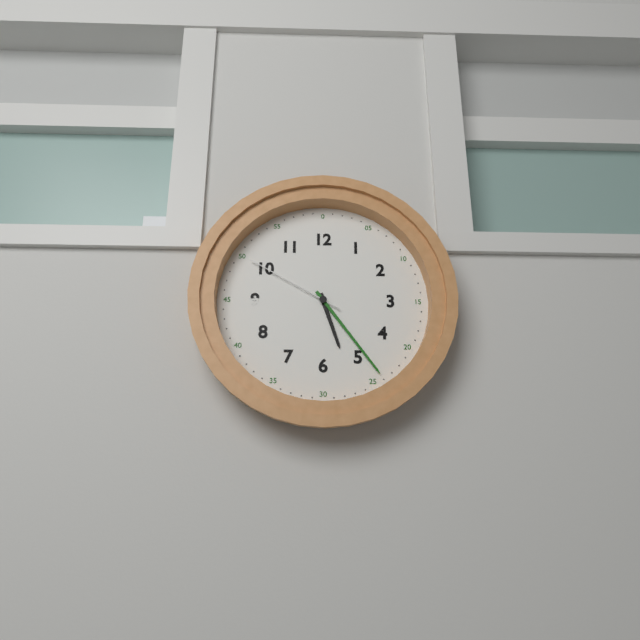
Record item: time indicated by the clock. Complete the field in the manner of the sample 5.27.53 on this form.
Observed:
5.24.50
